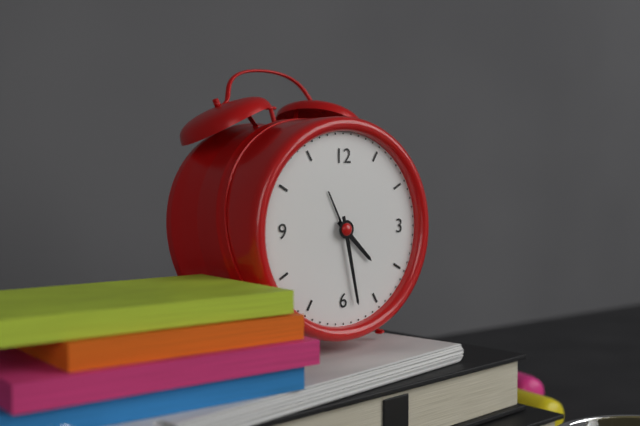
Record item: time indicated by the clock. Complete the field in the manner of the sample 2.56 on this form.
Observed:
4.28
